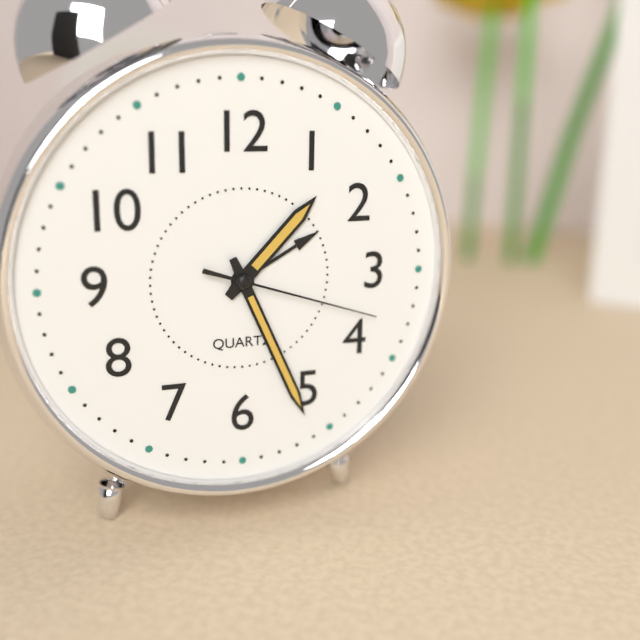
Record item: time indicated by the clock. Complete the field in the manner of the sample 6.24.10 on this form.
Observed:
1.26.18
